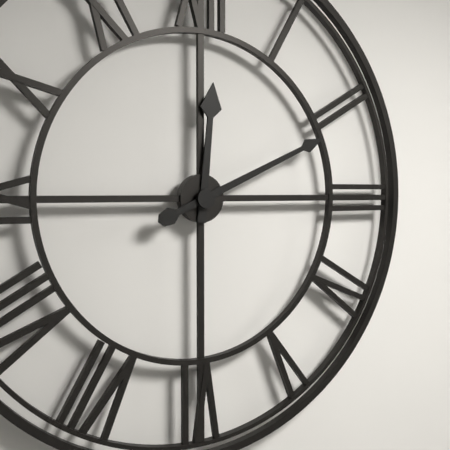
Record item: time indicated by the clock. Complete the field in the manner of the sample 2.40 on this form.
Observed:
12.11
